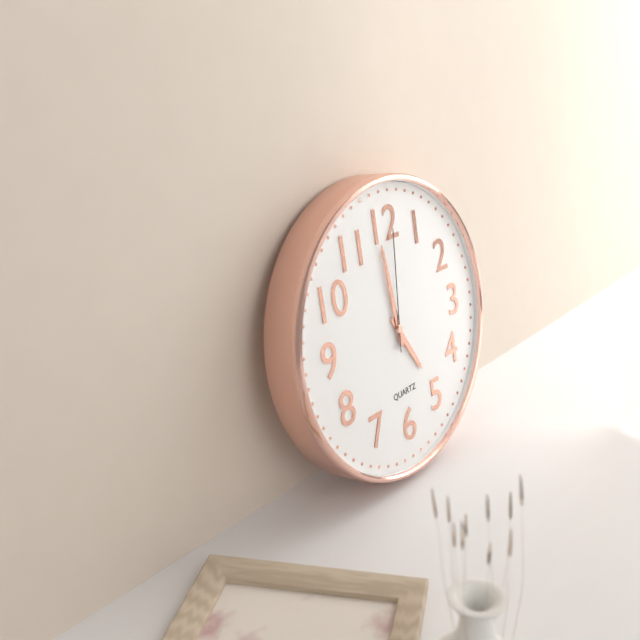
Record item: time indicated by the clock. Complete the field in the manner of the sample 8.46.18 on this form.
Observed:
4.59.01
